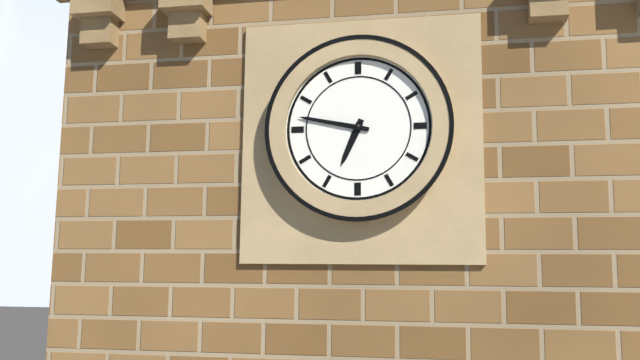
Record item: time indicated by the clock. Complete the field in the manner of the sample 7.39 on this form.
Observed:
6.47
